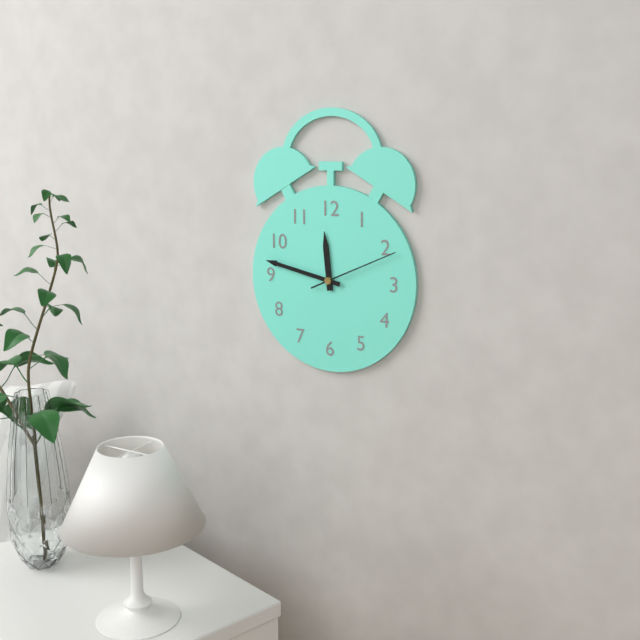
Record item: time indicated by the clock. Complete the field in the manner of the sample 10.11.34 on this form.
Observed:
11.47.11
